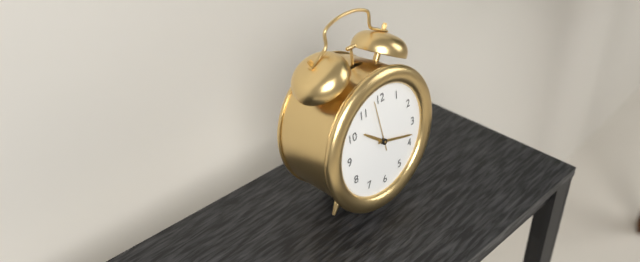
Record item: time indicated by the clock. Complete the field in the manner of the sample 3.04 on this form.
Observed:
10.18
